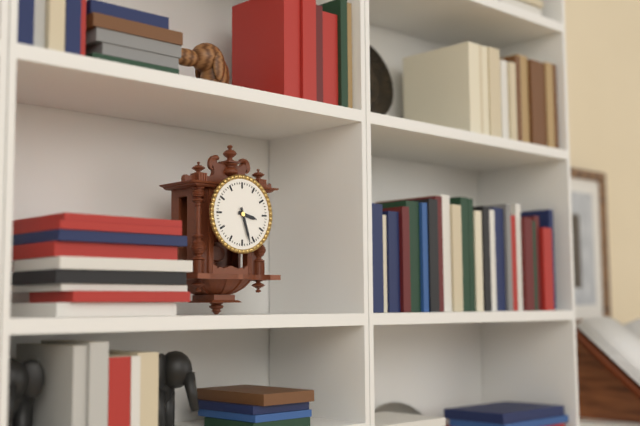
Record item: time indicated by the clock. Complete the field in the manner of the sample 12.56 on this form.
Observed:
3.27
